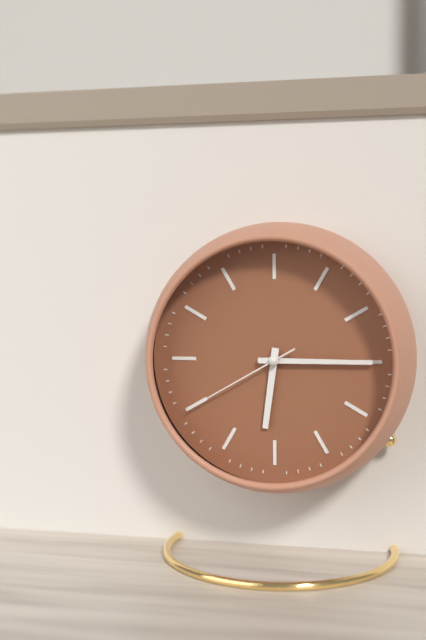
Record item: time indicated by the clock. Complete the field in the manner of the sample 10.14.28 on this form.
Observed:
6.15.40
